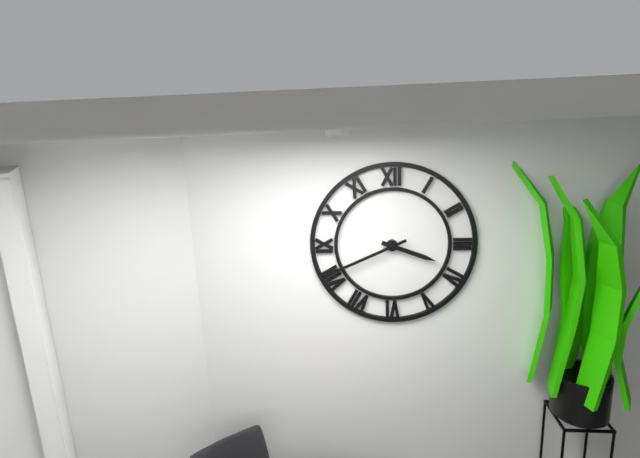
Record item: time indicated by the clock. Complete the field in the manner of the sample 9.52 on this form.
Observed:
3.41
